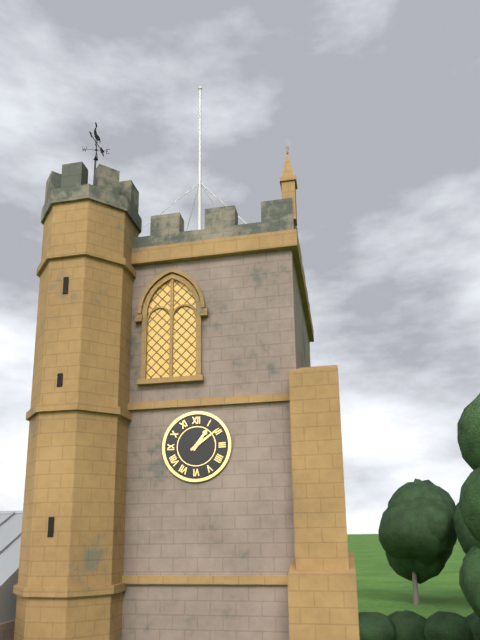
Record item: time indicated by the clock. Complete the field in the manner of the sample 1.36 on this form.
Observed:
1.09
